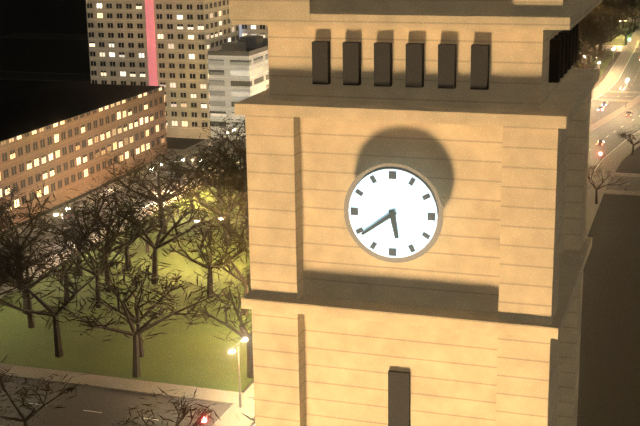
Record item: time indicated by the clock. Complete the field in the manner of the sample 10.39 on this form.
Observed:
5.39
